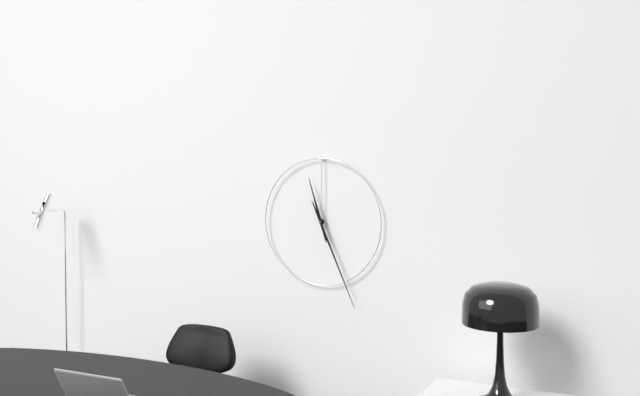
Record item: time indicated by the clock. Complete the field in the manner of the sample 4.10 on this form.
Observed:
11.26
